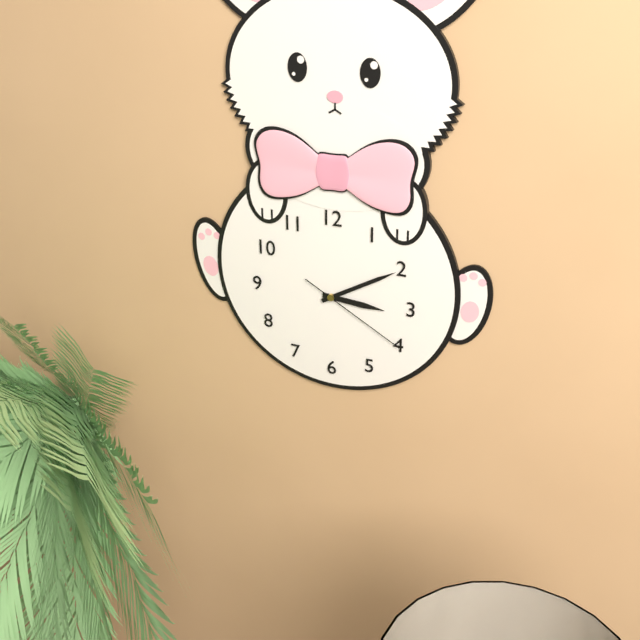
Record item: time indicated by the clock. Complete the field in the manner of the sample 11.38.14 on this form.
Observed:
3.10.20
